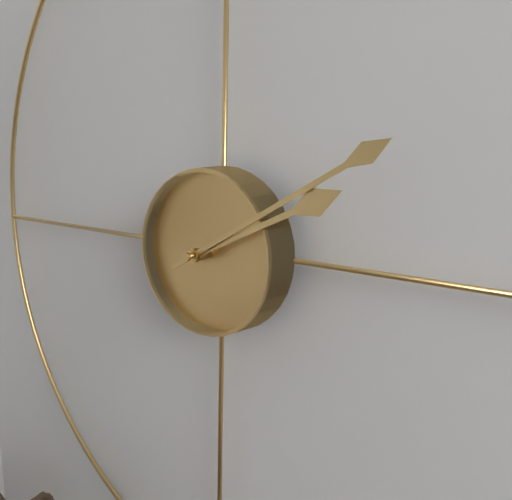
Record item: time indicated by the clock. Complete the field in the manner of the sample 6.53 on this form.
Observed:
2.10
